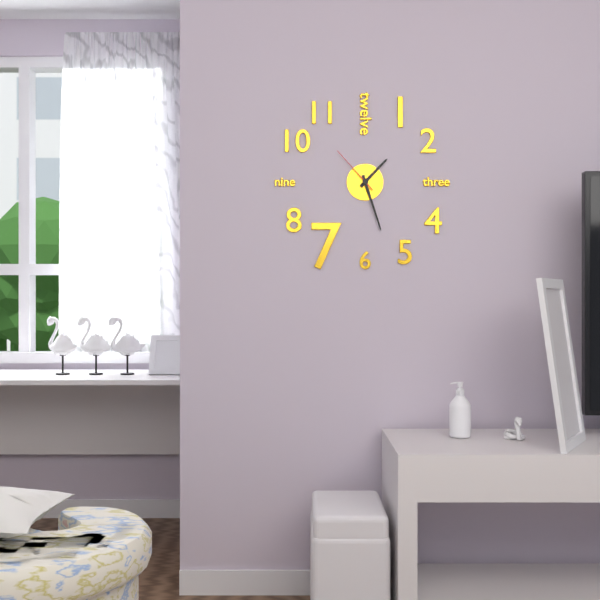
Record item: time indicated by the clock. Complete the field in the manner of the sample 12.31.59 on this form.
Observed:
1.27.53
